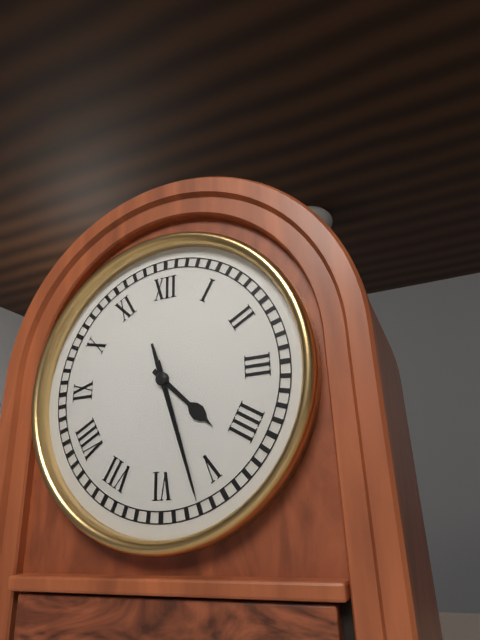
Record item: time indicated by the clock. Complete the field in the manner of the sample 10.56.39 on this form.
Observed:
4.27.27
